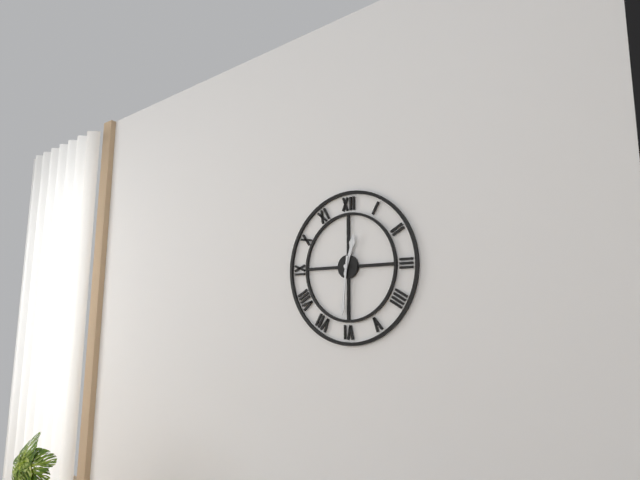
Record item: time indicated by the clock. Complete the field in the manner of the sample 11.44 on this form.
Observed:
12.31
